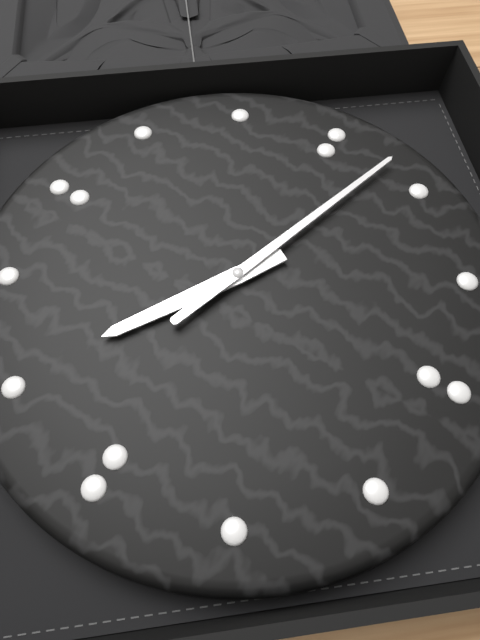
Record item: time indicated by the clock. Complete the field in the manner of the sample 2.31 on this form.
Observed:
7.03
